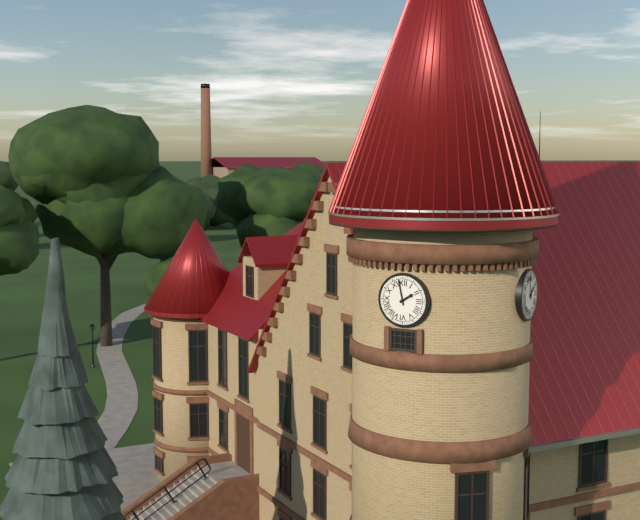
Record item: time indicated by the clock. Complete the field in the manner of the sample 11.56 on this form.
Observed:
1.58
